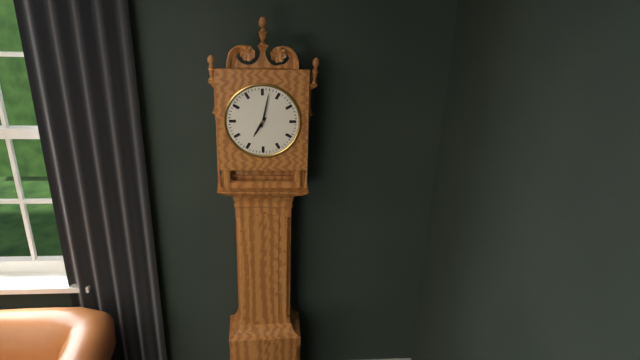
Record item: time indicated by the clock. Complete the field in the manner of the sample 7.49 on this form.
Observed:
7.02
